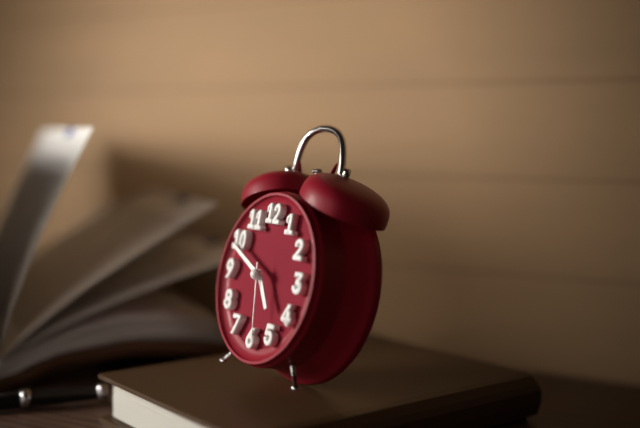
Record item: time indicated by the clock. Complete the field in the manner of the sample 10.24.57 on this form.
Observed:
4.49.28
